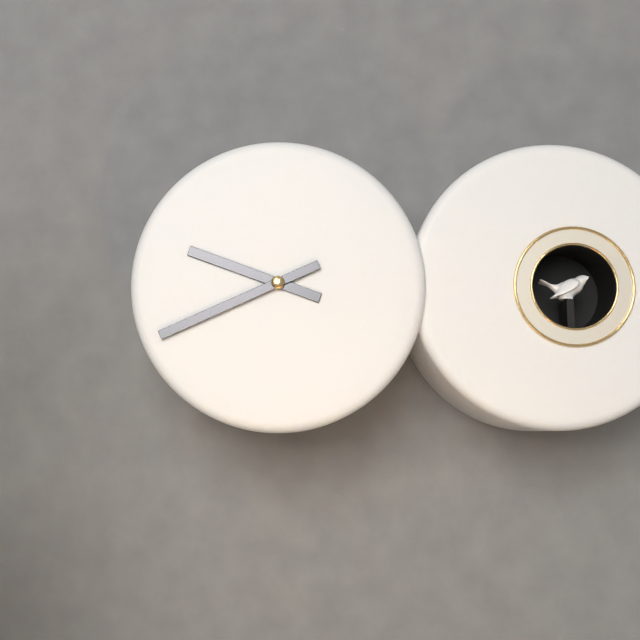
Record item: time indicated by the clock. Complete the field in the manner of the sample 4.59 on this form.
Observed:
9.41
